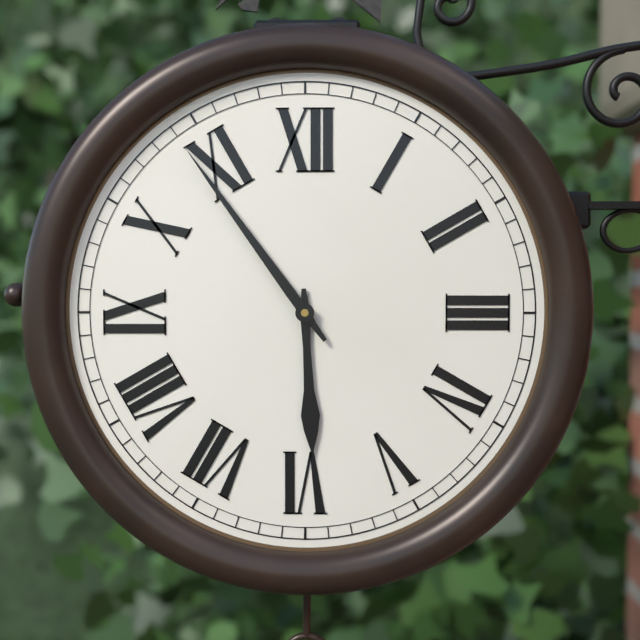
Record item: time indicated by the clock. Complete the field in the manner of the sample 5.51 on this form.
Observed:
5.54
